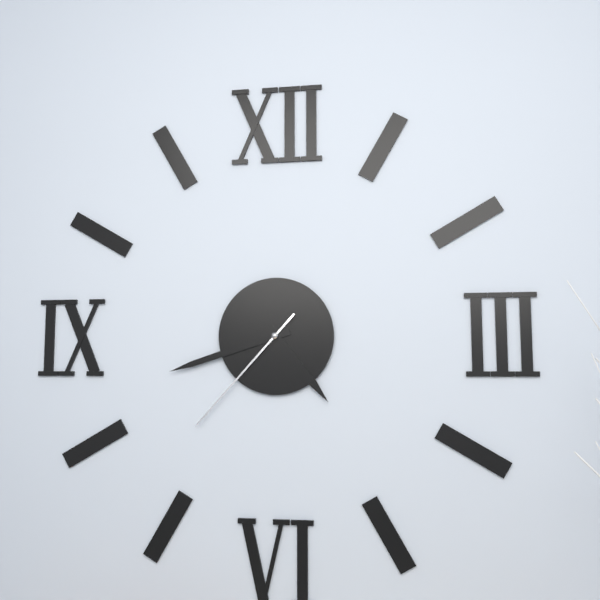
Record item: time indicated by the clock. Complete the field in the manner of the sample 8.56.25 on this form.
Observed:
4.42.37
